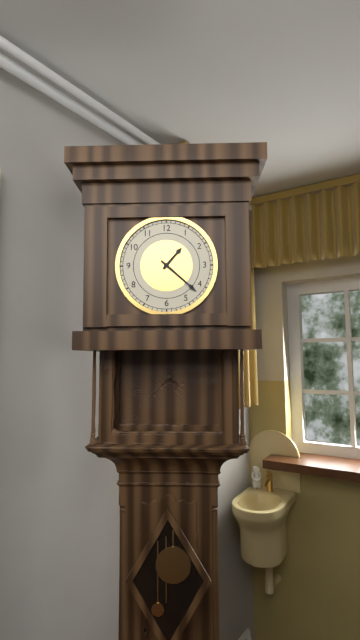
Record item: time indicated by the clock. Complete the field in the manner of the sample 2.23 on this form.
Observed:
1.22
